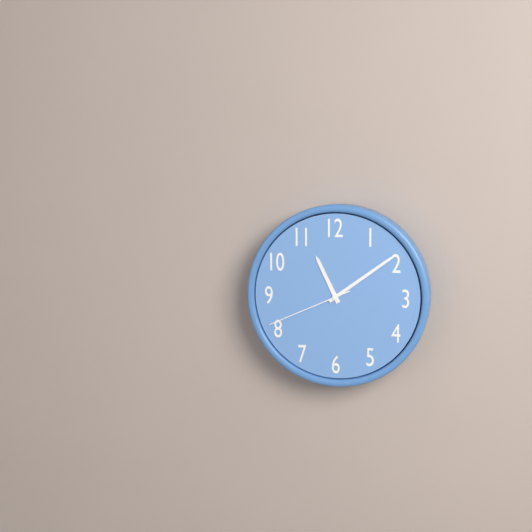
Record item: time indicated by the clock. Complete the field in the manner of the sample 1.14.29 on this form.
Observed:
11.09.41
